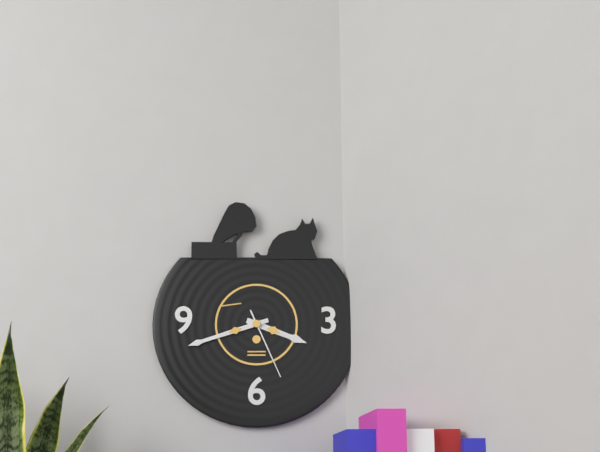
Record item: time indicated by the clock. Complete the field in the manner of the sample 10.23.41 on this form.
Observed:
3.42.26
